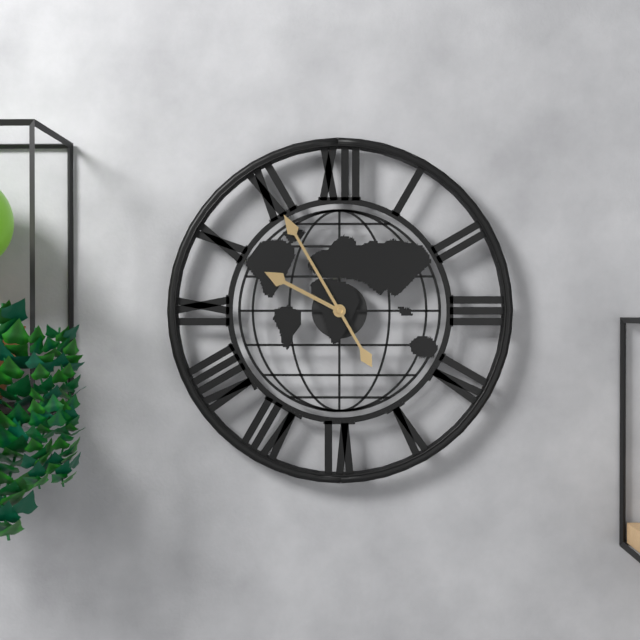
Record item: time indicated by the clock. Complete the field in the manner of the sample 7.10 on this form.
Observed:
9.55
